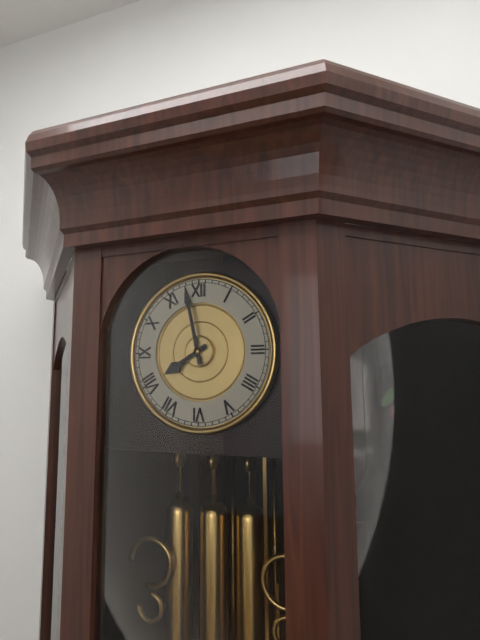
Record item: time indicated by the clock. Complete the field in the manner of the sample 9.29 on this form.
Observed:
7.58
